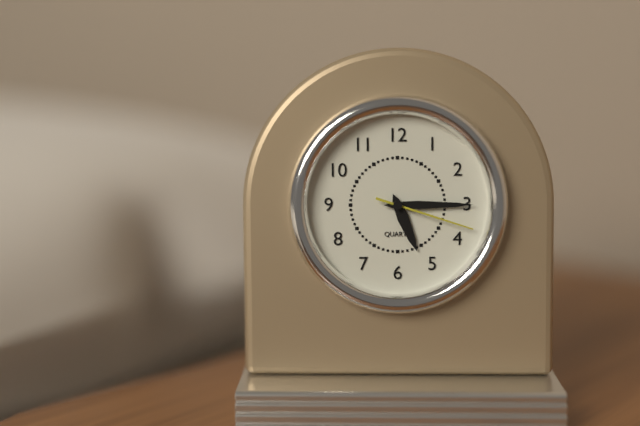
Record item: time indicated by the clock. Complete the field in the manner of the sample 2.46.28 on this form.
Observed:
5.15.18
